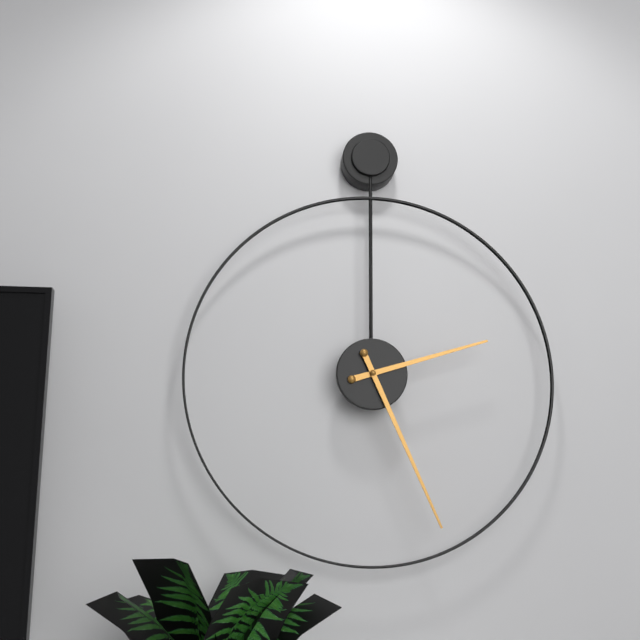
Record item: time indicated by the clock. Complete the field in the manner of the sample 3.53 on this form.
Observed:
2.26
